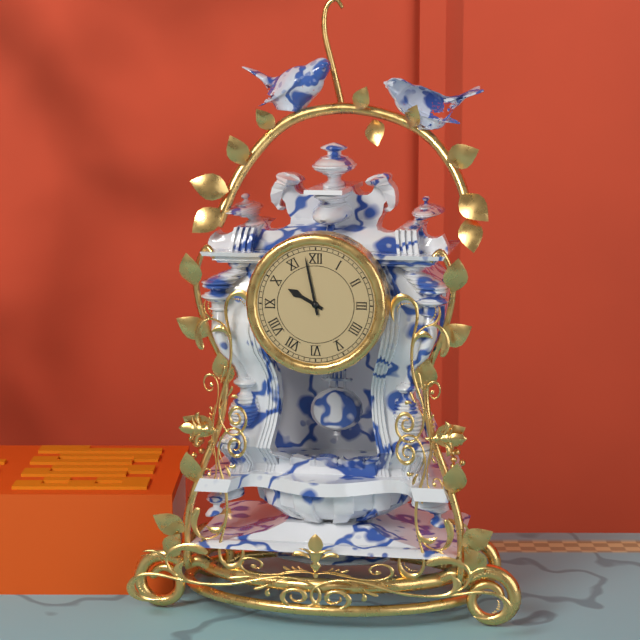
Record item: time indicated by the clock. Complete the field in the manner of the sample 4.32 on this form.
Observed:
9.58
